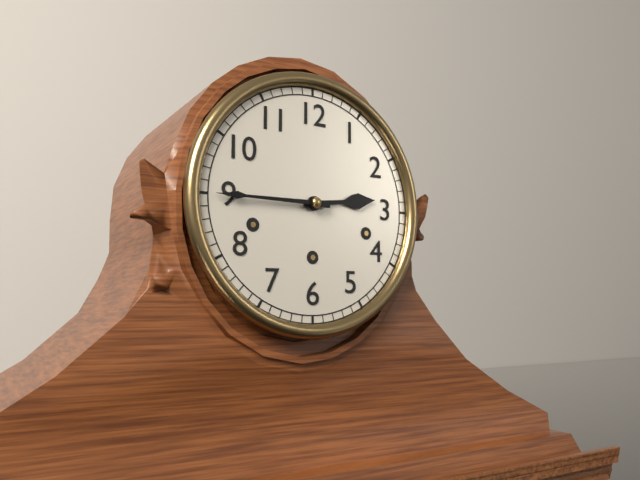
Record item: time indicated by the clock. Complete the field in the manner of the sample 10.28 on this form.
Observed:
2.45
